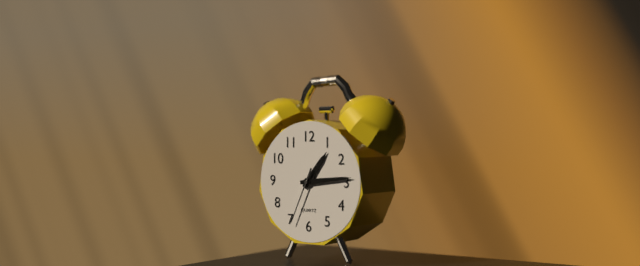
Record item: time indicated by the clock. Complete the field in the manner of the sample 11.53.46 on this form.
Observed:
1.14.34
